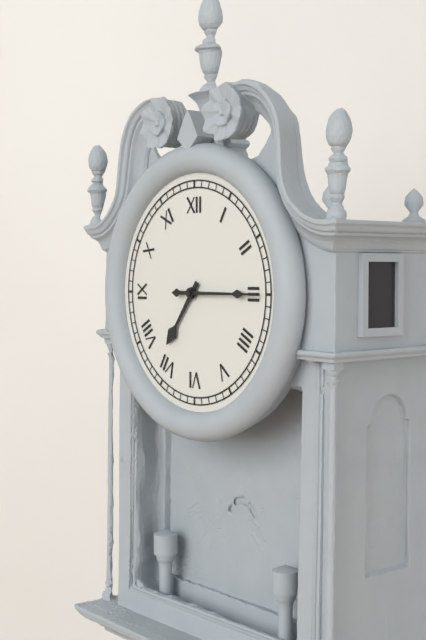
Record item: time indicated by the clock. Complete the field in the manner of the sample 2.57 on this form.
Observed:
7.15
